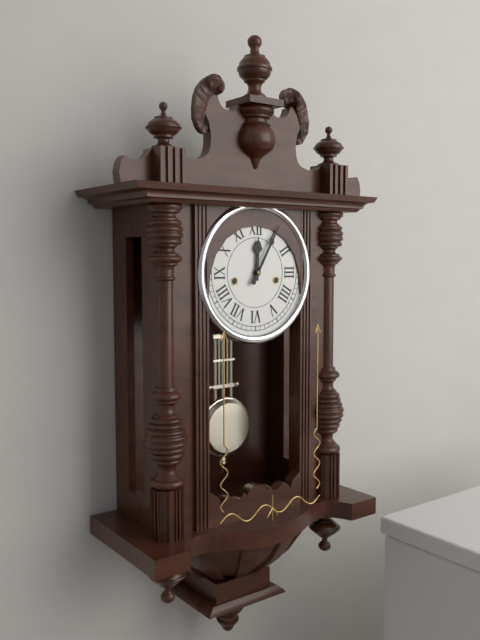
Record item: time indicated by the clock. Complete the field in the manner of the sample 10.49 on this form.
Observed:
12.05
